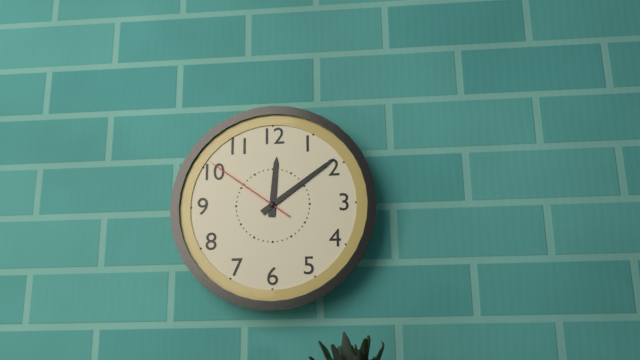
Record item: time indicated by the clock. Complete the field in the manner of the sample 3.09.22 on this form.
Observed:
12.09.51
